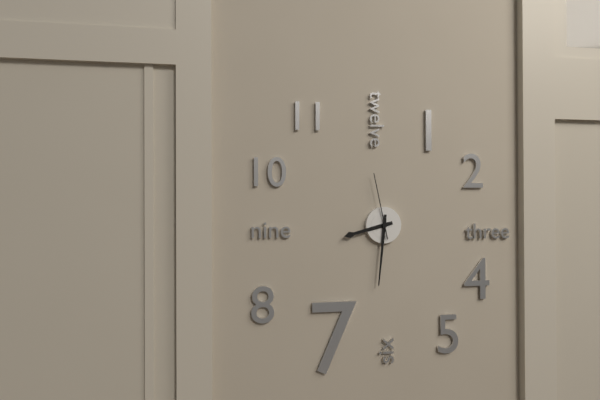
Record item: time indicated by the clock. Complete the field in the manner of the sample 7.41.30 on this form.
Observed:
8.31.58
